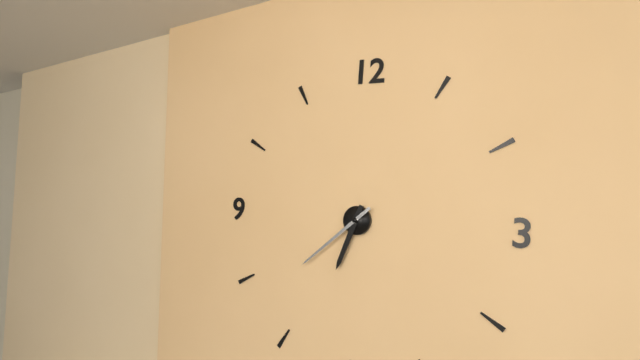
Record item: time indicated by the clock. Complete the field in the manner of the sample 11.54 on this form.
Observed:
6.38
